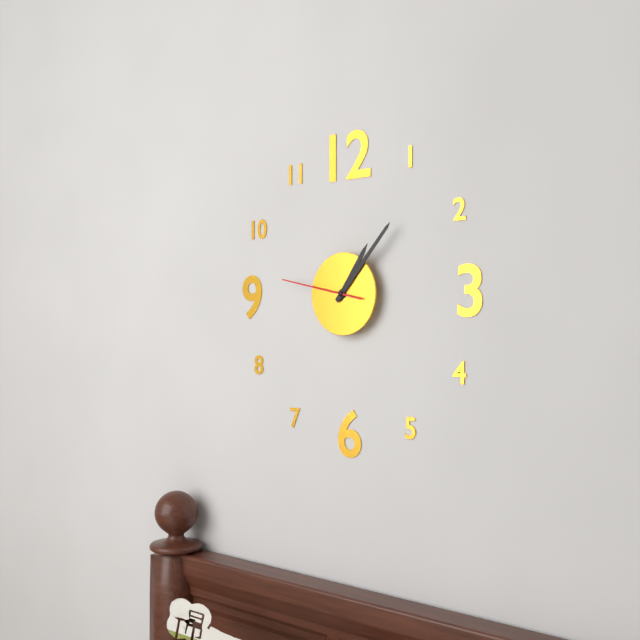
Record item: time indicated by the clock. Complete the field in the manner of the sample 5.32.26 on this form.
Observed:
1.07.47
